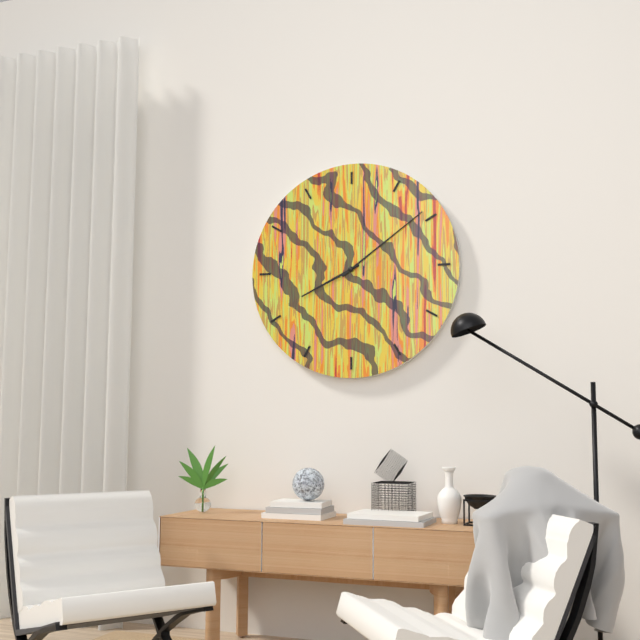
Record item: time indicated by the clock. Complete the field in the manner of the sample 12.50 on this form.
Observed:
8.09
